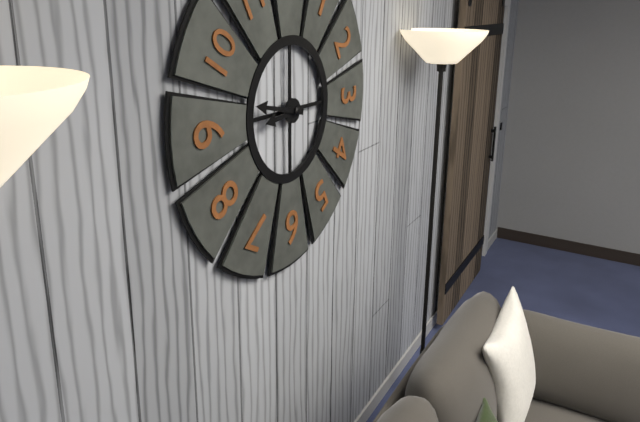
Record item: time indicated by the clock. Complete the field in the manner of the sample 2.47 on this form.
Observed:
8.47
